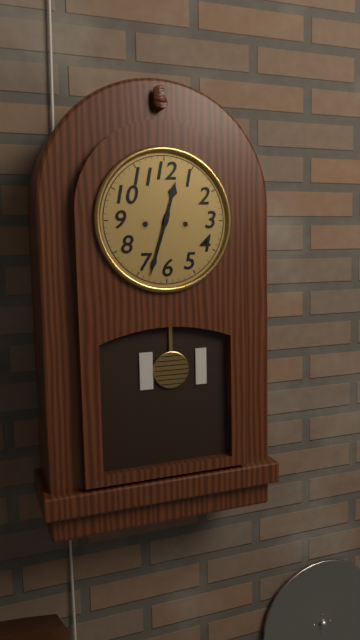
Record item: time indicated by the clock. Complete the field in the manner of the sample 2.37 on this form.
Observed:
12.33
